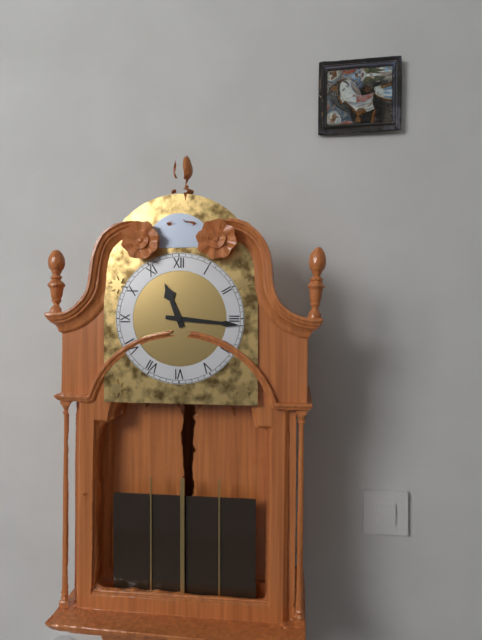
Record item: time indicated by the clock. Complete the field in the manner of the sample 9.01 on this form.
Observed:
11.16
